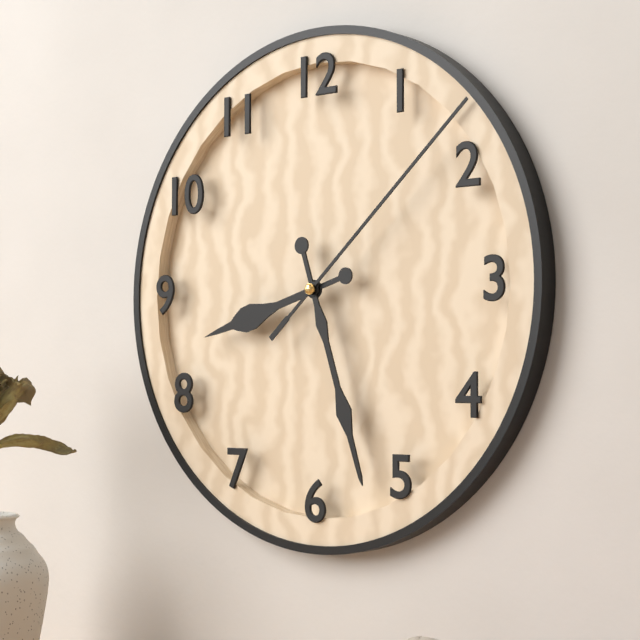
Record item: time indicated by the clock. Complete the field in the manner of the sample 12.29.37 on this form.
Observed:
8.27.08
